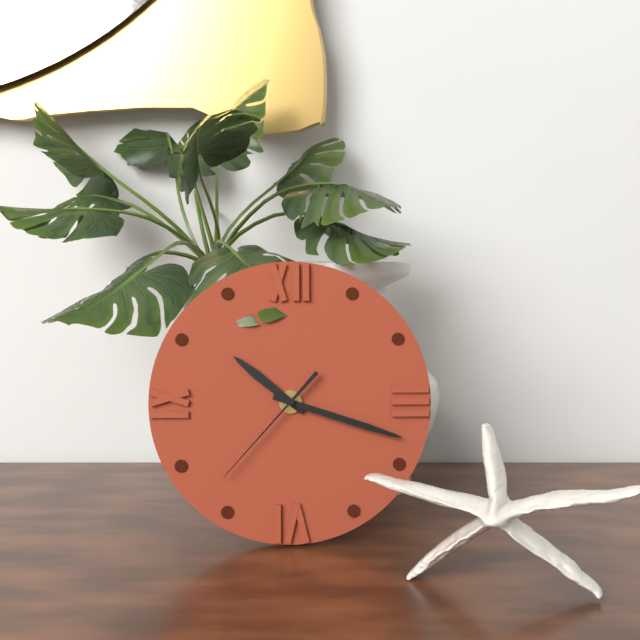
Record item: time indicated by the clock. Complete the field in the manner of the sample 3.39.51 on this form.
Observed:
10.18.37
